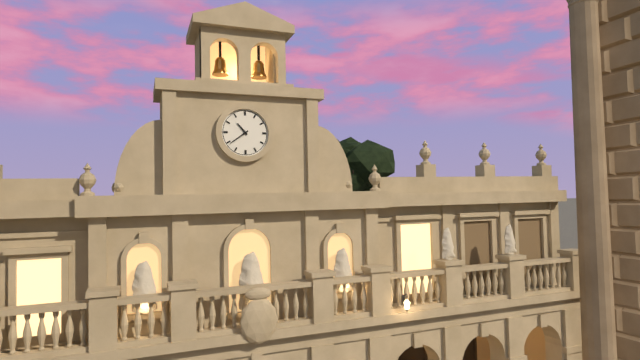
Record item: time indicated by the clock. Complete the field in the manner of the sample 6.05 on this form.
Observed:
10.39
